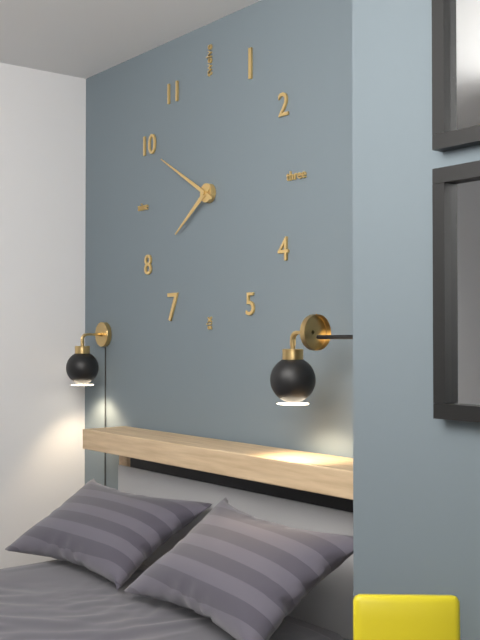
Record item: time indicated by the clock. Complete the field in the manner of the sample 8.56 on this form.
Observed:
7.50
